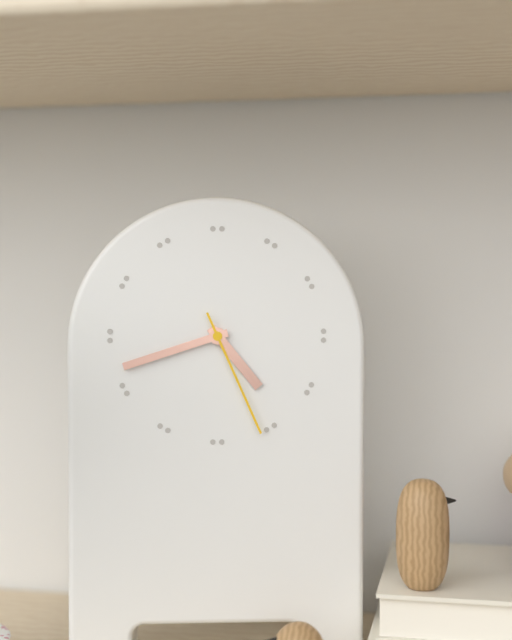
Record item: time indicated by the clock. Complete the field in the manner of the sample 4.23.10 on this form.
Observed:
4.42.26
